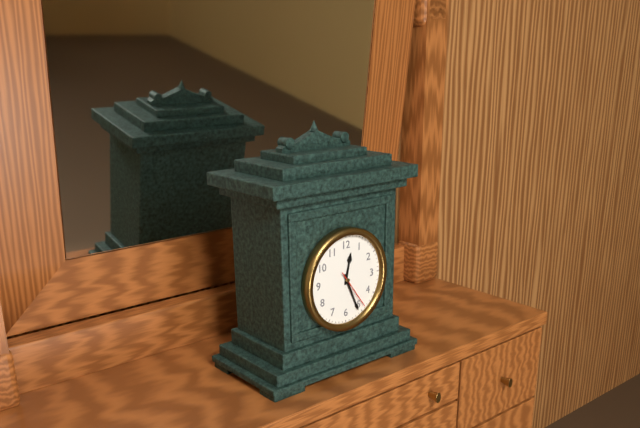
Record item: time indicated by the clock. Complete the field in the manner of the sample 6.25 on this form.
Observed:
12.26
